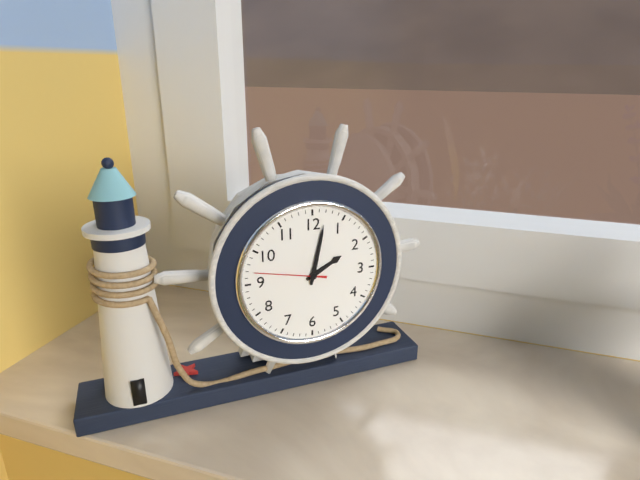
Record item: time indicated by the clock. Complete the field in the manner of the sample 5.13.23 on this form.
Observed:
2.02.47
